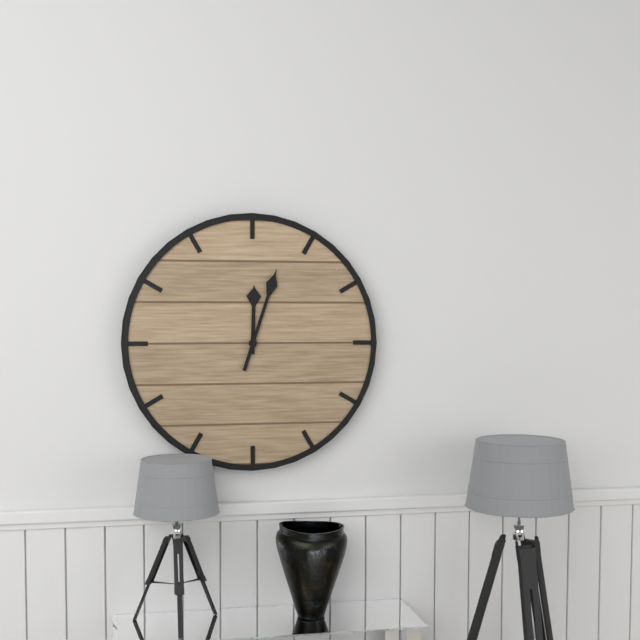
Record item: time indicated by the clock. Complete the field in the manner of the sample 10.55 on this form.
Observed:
12.03
